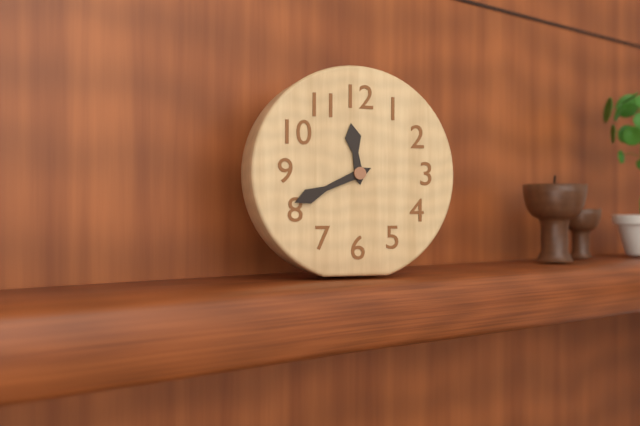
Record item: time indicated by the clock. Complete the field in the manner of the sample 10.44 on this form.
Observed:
11.41
